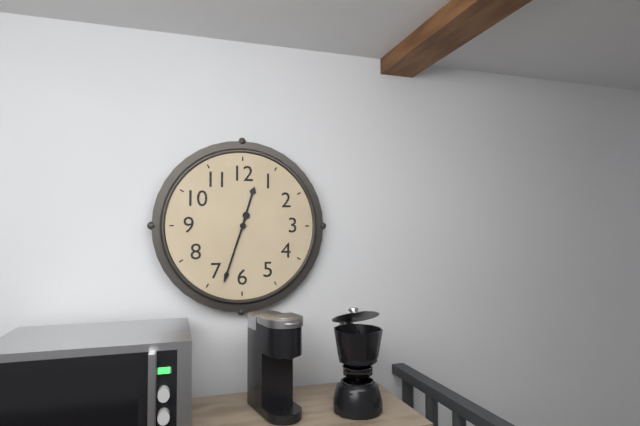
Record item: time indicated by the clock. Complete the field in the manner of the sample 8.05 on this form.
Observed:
12.33
